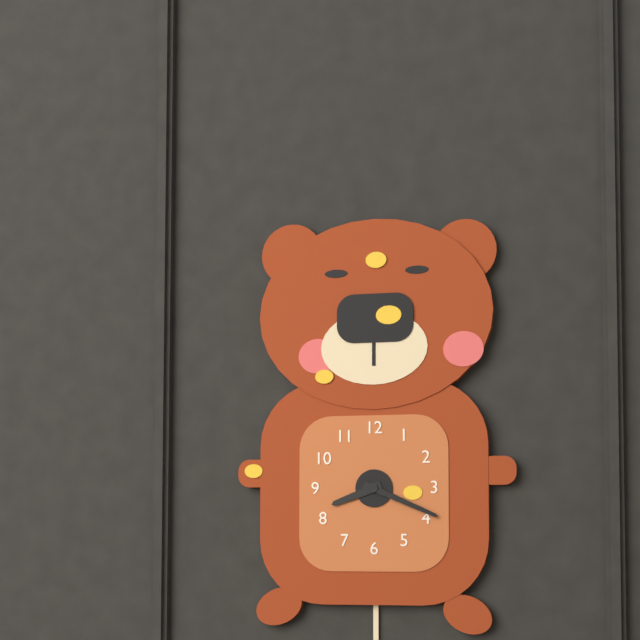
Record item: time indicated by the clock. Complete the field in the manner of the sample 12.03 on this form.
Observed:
8.19
